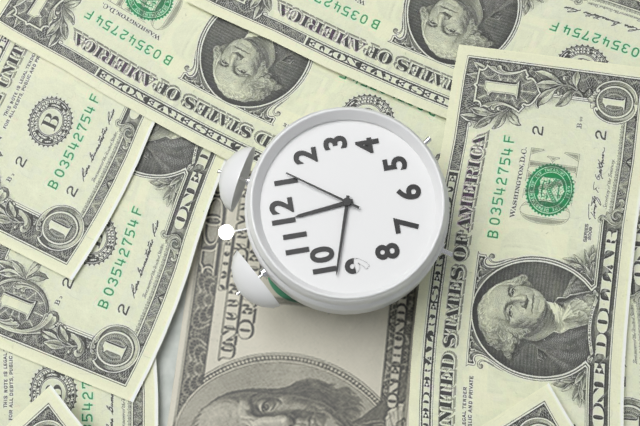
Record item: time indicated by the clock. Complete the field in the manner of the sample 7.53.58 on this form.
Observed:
11.48.06
